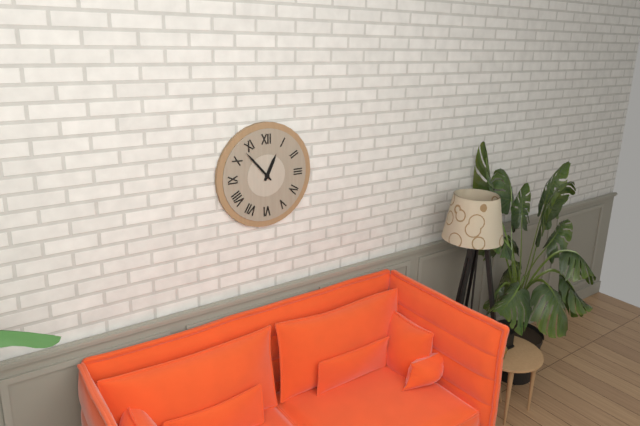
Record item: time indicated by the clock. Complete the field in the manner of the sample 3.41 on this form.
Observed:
12.53
